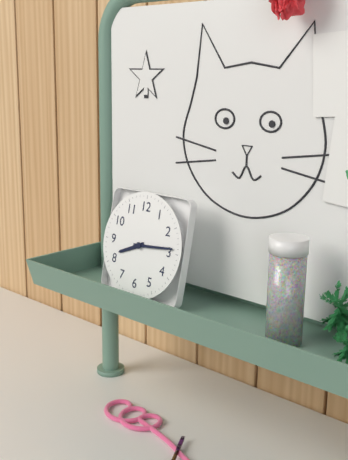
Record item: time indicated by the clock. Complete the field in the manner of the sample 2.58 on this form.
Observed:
8.14
